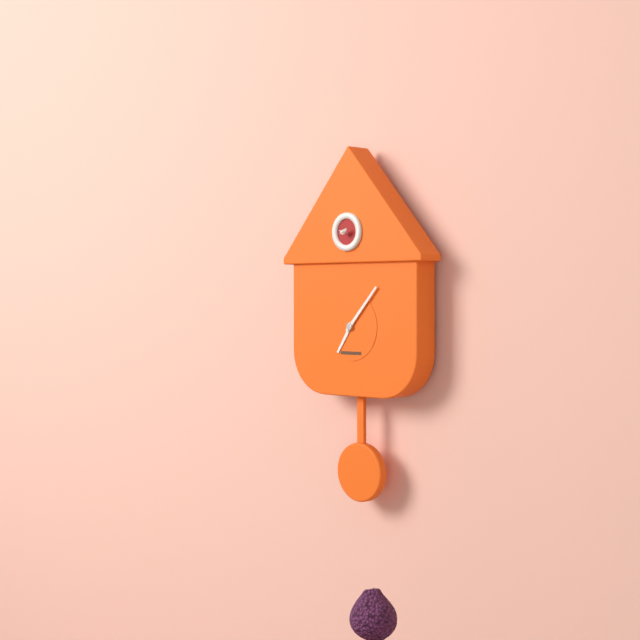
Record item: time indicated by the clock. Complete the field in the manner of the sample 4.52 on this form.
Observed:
7.07
